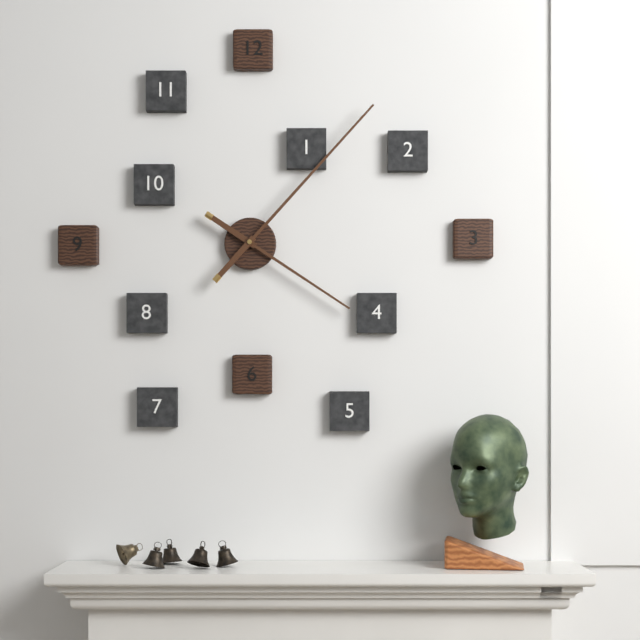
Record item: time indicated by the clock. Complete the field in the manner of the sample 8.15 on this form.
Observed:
4.07
